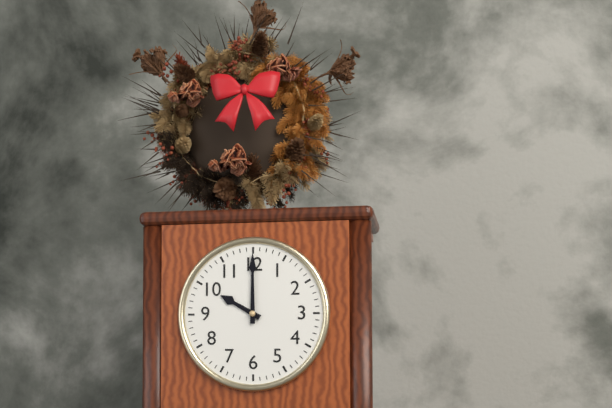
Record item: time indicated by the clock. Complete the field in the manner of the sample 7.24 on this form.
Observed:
10.00
